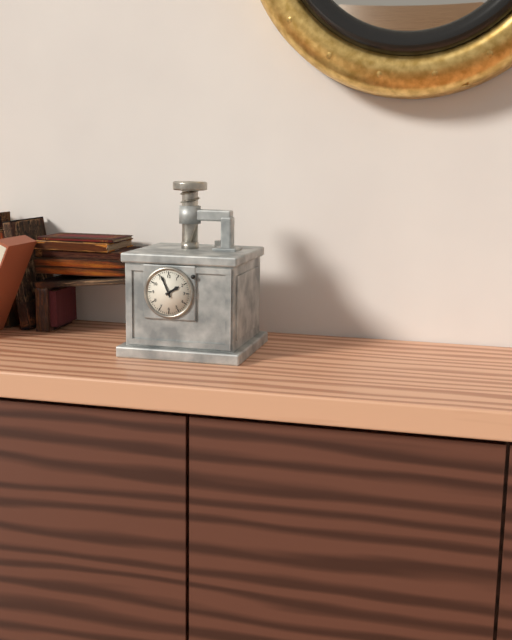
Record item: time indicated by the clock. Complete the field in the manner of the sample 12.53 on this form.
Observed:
1.56
